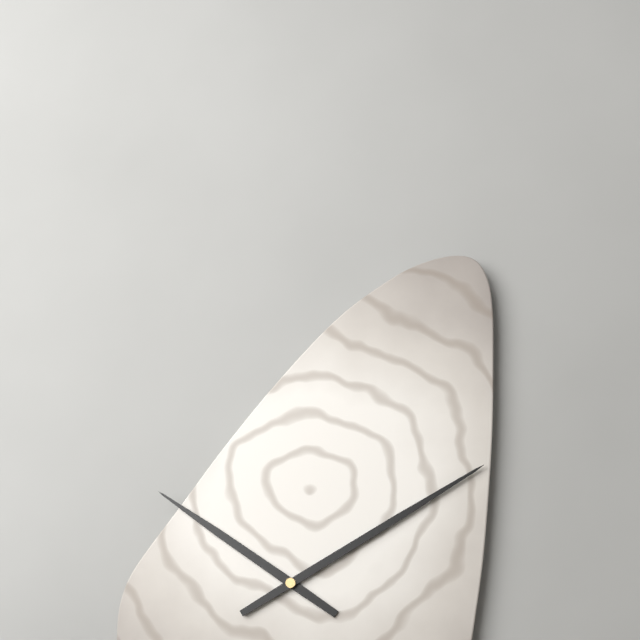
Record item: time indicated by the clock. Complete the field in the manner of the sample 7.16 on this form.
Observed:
10.10
